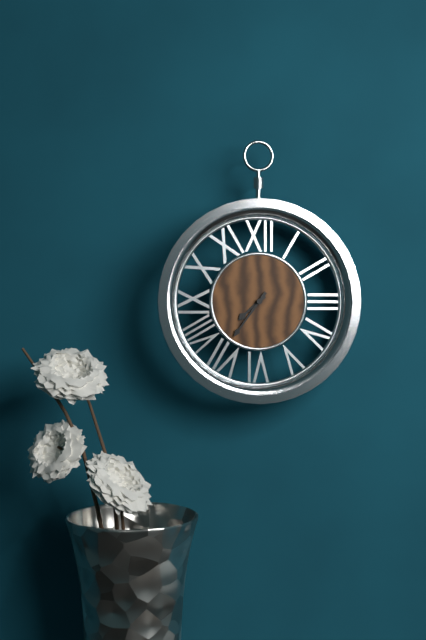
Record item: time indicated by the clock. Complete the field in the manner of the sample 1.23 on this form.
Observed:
7.36
